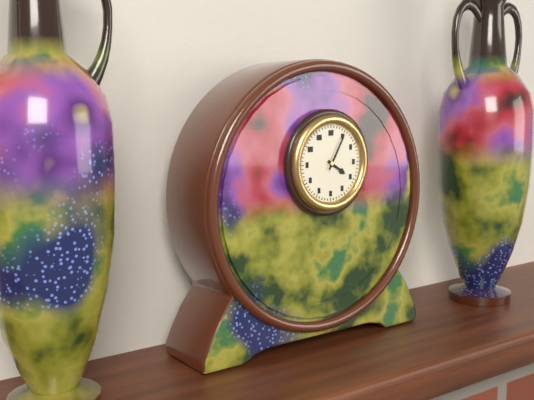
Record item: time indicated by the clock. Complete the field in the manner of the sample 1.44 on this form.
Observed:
4.05
